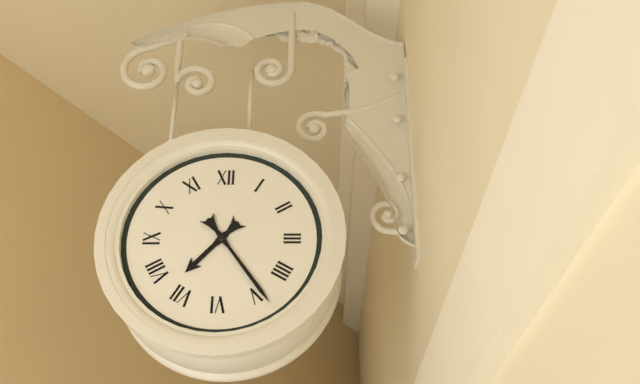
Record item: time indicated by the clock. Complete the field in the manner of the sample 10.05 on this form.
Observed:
7.24
